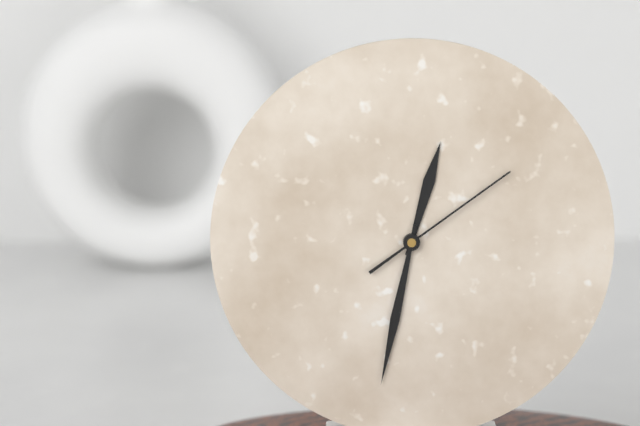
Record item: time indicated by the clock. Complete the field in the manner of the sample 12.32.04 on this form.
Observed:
12.32.09
